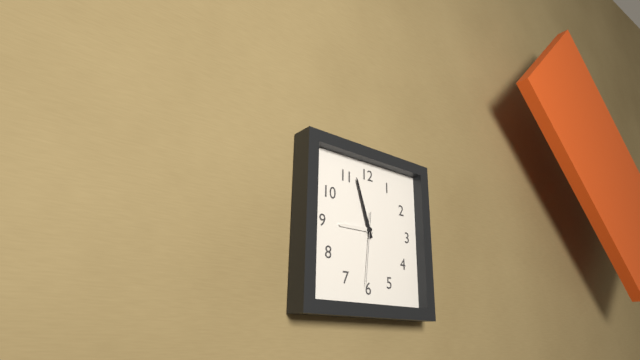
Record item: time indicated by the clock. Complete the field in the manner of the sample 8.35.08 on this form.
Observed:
8.57.31
